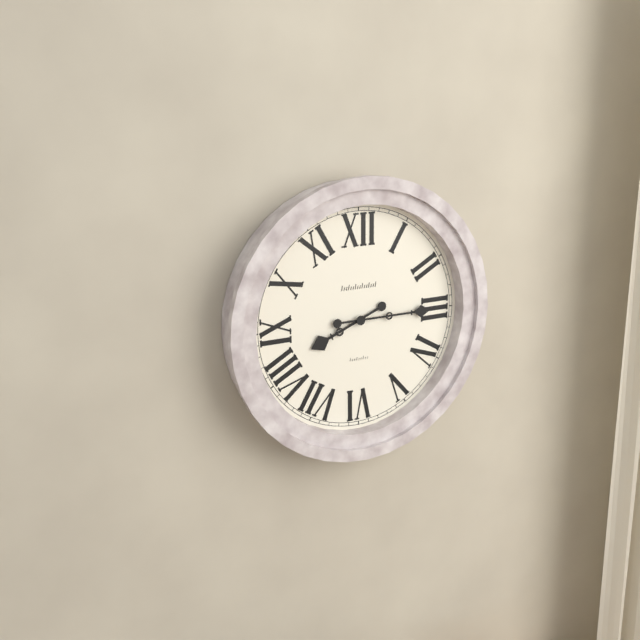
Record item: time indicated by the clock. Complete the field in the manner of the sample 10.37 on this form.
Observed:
8.15
